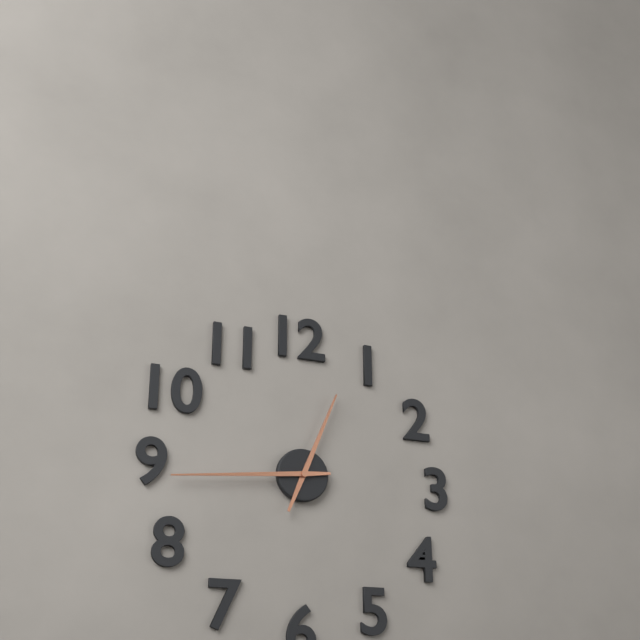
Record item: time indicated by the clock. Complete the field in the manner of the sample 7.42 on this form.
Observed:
12.44
